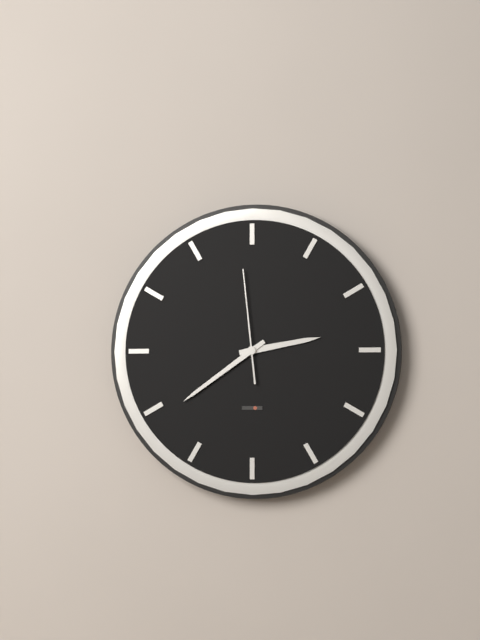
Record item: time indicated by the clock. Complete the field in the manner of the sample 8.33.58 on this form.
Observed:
2.39.59
